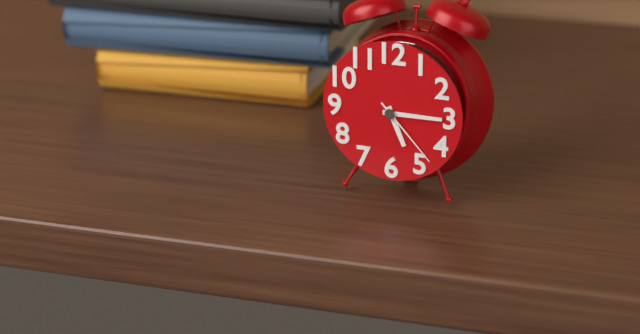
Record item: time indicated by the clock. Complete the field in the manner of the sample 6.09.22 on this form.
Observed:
5.15.23
